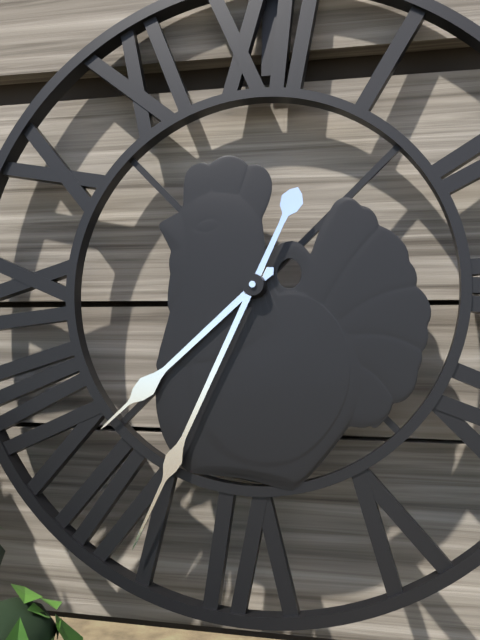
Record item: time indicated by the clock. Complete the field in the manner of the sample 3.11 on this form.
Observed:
7.34
